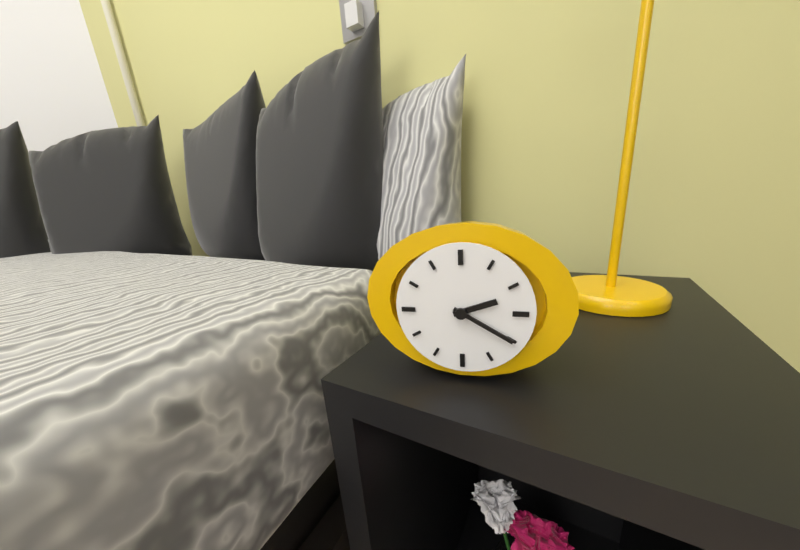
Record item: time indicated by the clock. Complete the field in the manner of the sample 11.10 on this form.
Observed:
2.20
